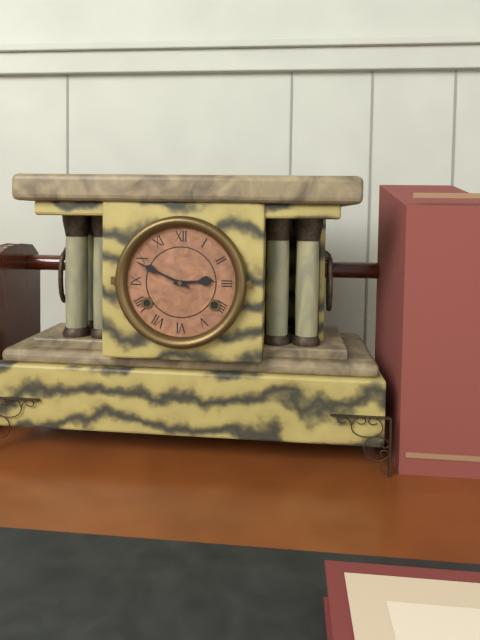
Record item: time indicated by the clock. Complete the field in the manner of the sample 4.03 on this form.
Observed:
2.49
